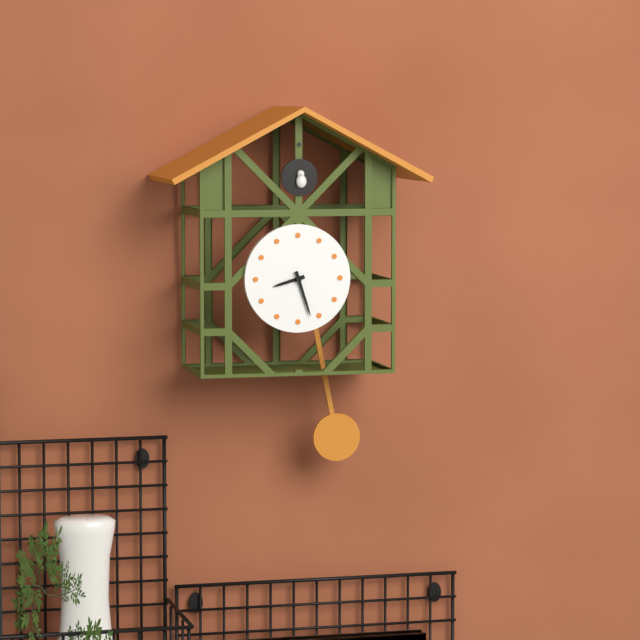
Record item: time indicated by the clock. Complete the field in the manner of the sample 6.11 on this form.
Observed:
8.27
